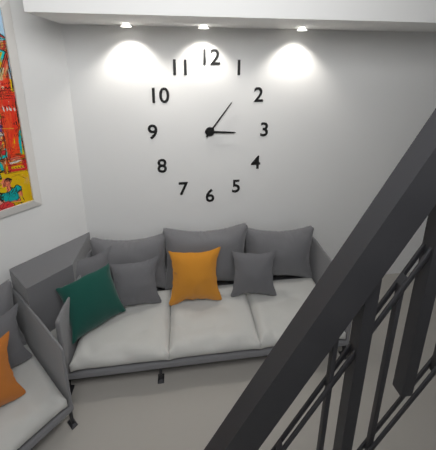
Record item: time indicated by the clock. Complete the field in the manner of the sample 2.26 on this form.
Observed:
3.06
